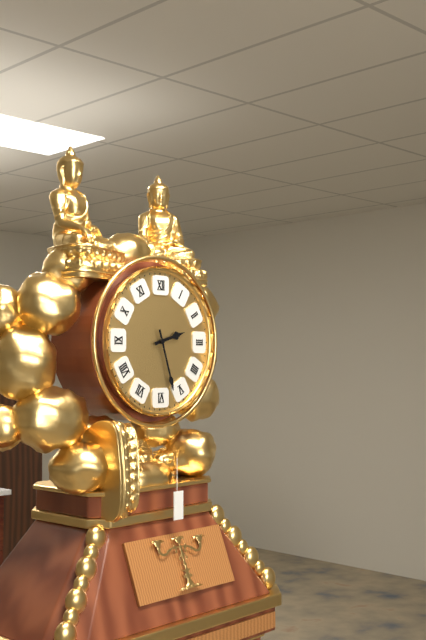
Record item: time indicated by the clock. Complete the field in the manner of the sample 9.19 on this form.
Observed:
2.27
